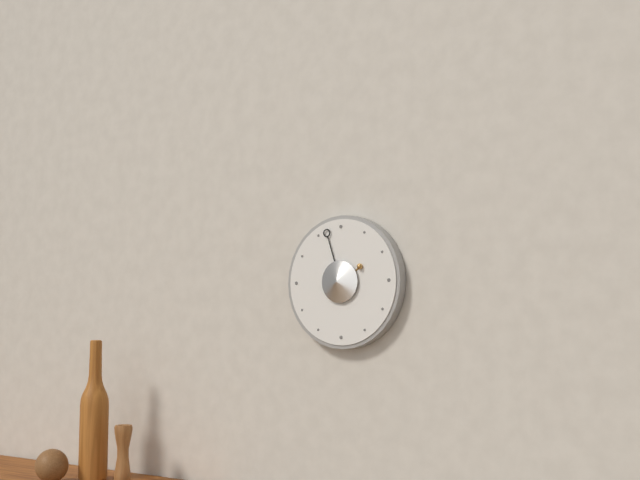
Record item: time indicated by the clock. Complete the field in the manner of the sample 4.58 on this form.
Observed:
1.57
